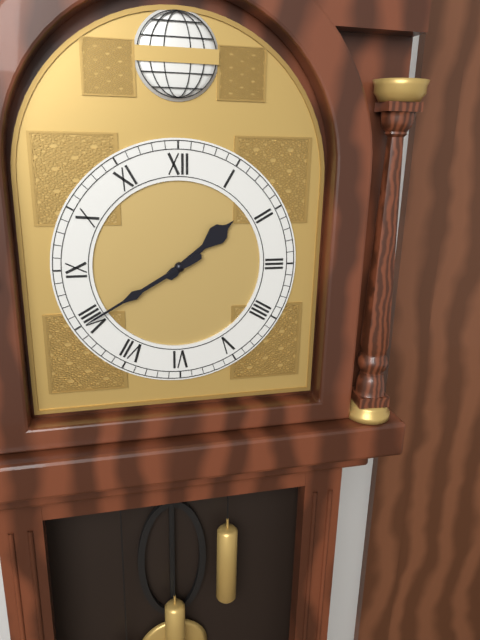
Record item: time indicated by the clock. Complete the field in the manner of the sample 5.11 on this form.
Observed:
1.40
